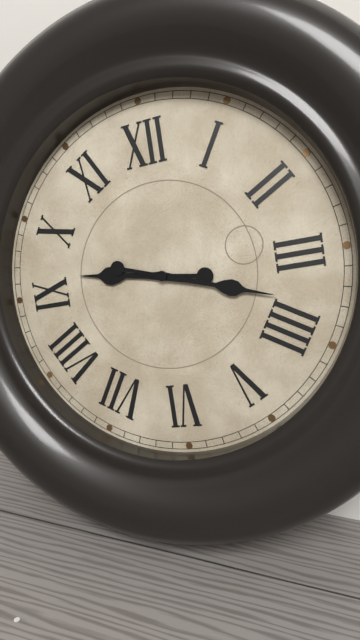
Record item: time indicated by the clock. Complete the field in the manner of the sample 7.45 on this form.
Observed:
9.18
